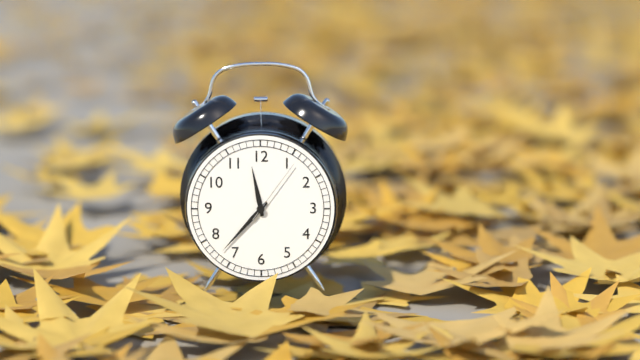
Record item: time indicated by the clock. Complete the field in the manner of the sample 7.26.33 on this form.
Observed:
11.37.06
